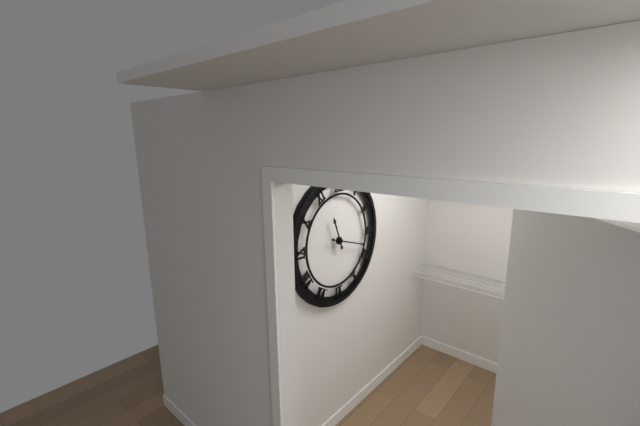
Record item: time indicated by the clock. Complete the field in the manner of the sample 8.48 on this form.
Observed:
11.18
